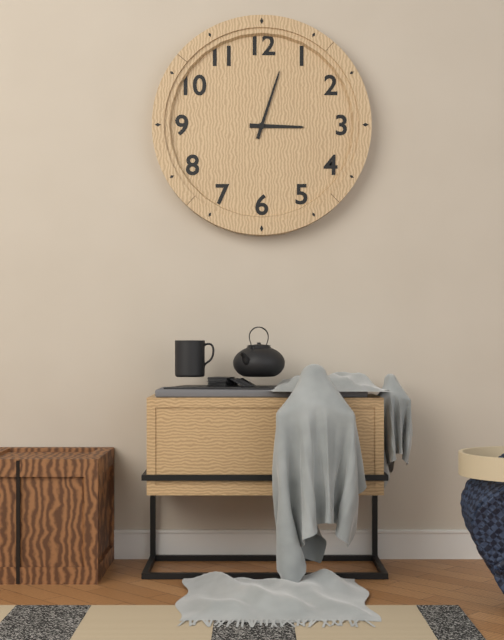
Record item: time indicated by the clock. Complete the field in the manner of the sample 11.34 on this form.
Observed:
3.03
